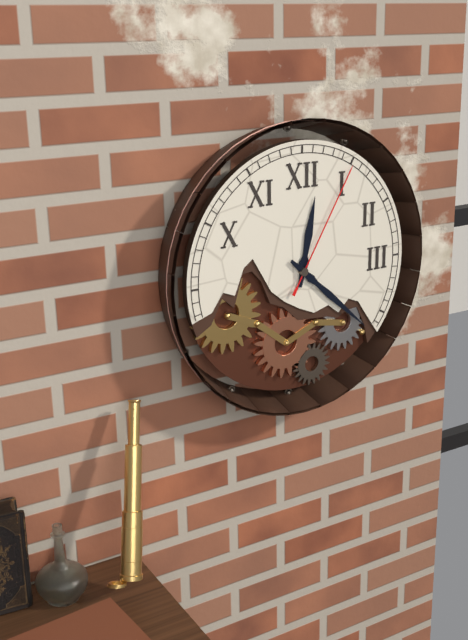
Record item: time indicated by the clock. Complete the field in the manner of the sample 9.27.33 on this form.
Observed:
12.22.05
